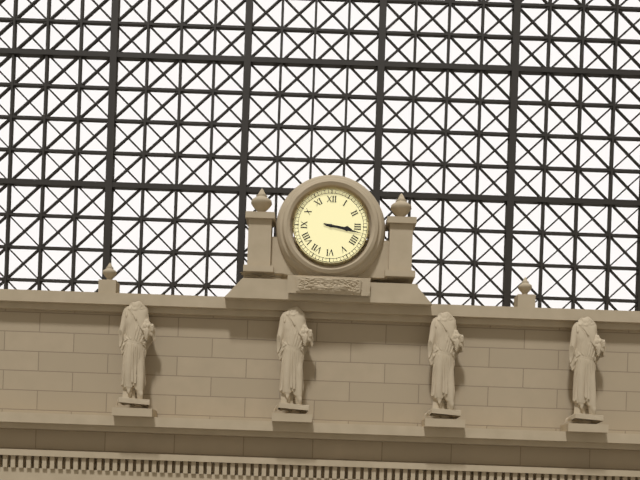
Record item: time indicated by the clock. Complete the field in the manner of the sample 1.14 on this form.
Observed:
3.17
